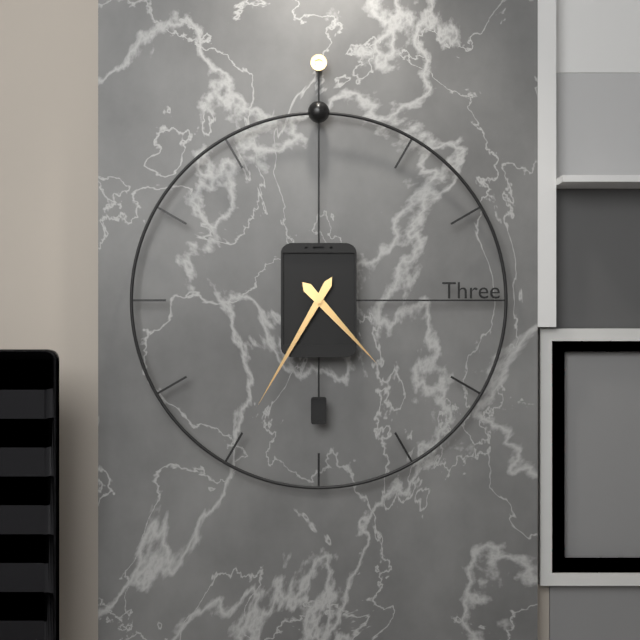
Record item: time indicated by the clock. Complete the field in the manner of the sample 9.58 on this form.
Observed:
4.35
